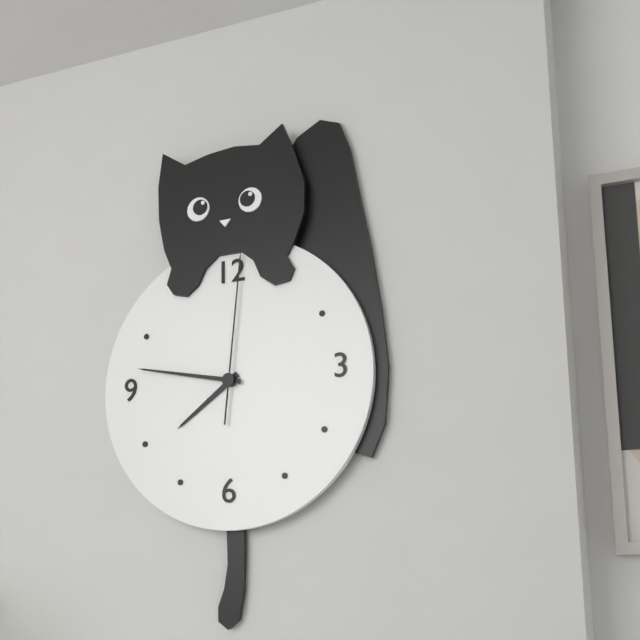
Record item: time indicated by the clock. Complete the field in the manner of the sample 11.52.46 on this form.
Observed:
7.47.01
